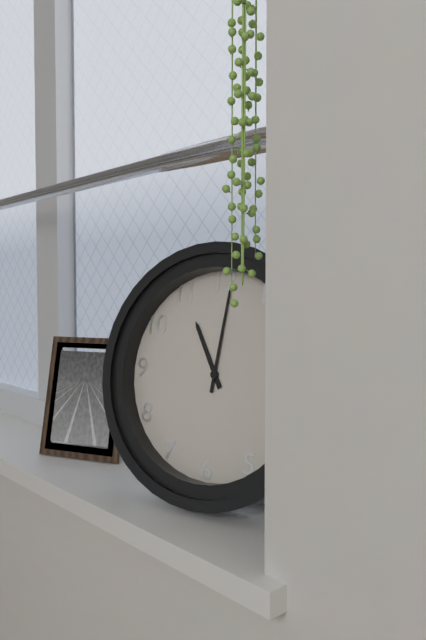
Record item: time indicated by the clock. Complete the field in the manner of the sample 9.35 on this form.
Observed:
11.01
